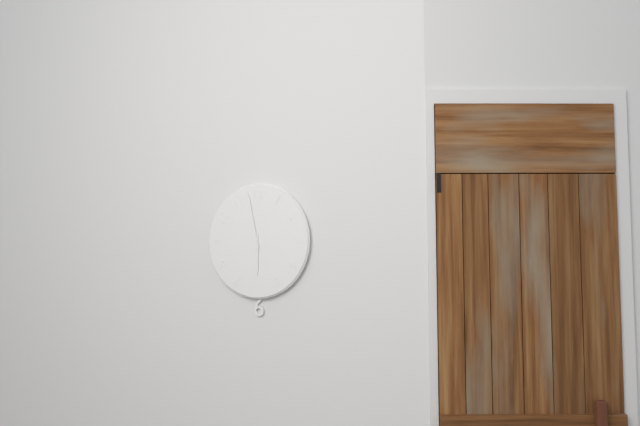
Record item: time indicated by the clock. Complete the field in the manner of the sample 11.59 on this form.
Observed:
5.58
